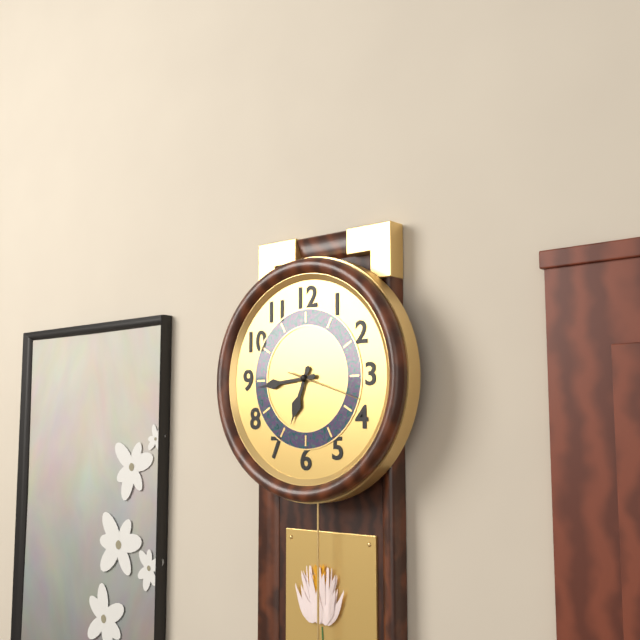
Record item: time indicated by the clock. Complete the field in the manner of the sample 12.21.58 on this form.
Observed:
6.44.18
